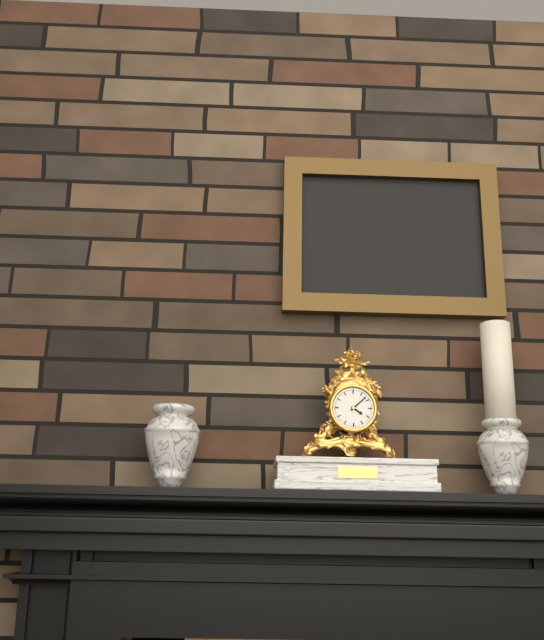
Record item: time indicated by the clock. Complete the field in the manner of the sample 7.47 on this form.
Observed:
4.08
